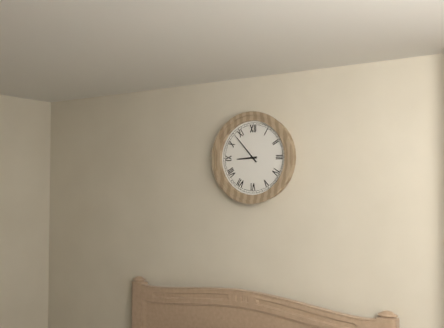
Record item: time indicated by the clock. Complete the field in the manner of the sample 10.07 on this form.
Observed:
8.53
